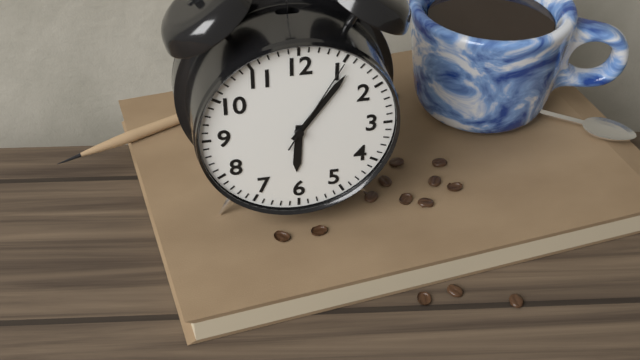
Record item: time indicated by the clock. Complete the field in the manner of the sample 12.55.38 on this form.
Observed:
6.06.05
